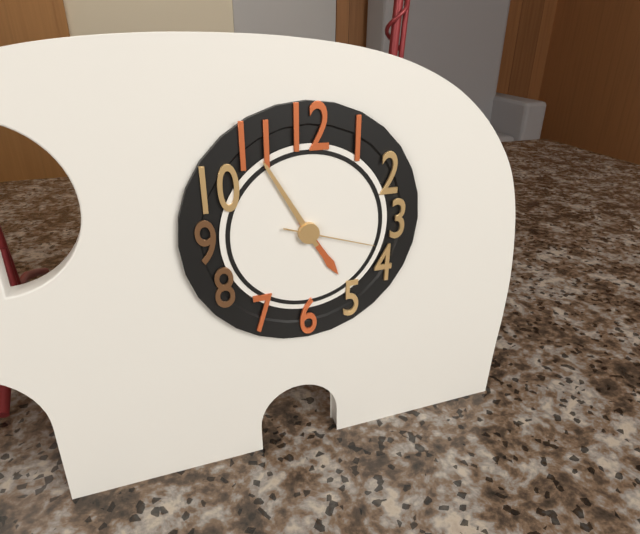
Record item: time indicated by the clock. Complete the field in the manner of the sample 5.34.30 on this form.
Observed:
4.55.18
